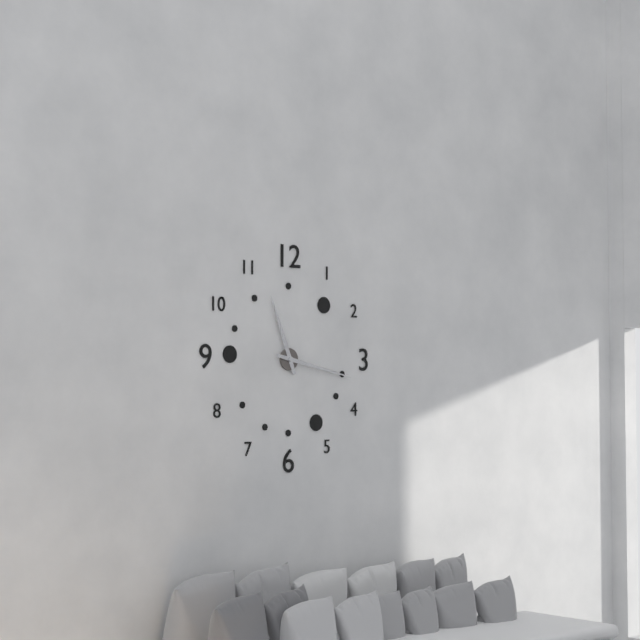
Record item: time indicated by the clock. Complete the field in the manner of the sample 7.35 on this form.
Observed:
11.17
